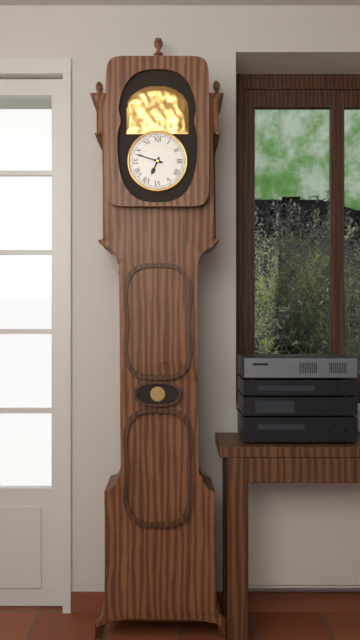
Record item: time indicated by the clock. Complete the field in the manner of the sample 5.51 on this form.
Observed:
6.48
